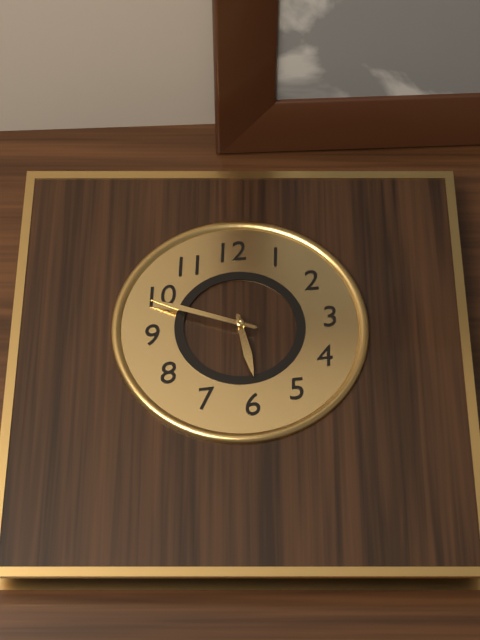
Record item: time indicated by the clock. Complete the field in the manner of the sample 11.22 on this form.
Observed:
5.49
